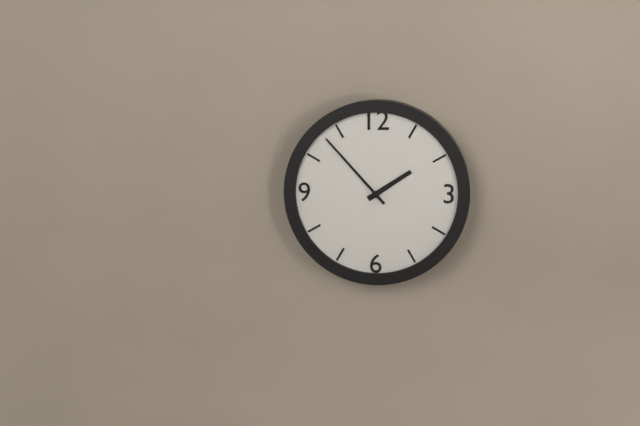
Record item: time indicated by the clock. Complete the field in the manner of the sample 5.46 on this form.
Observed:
1.53
